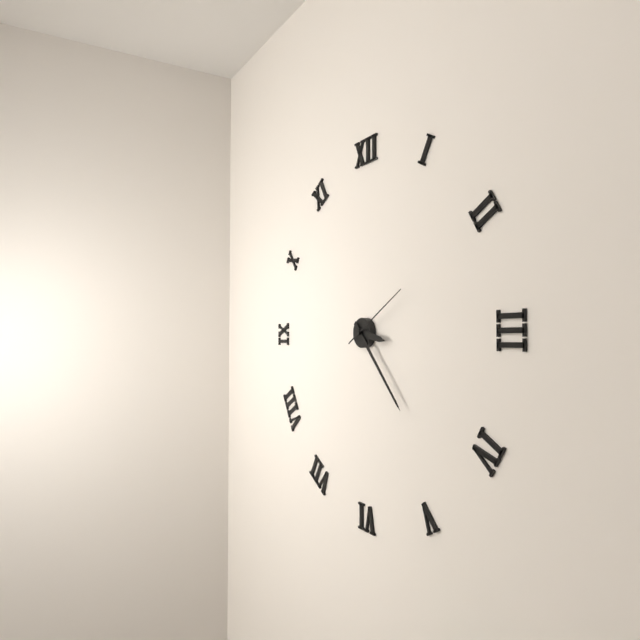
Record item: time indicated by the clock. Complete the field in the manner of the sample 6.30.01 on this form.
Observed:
3.23.10
